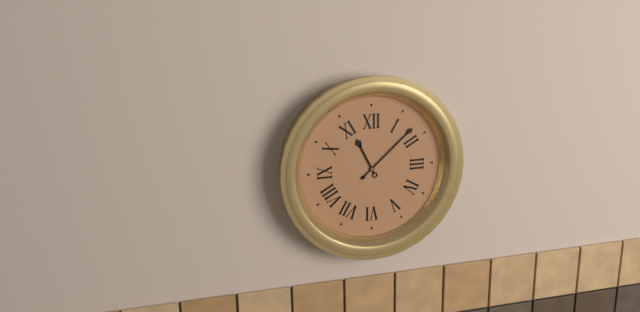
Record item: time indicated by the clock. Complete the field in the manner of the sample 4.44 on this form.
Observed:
11.08
